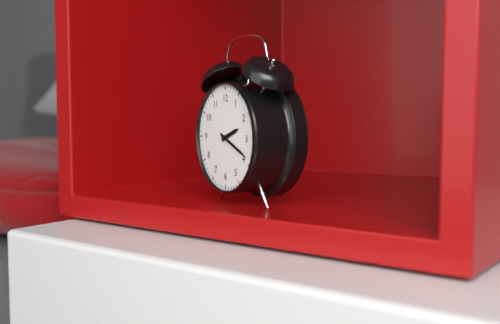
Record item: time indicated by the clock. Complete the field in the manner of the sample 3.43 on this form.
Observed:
2.19
